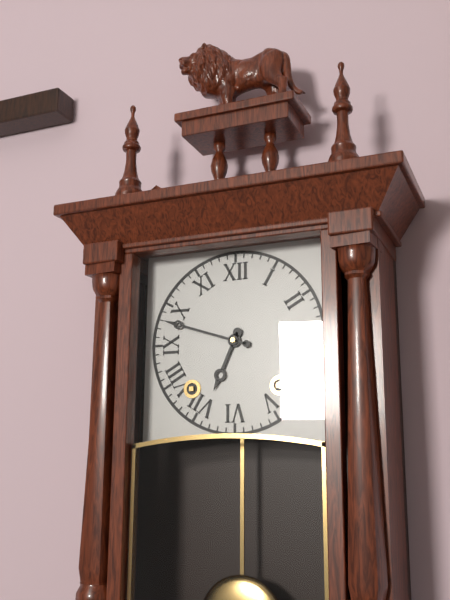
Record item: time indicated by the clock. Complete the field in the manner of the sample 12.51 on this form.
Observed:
6.48
